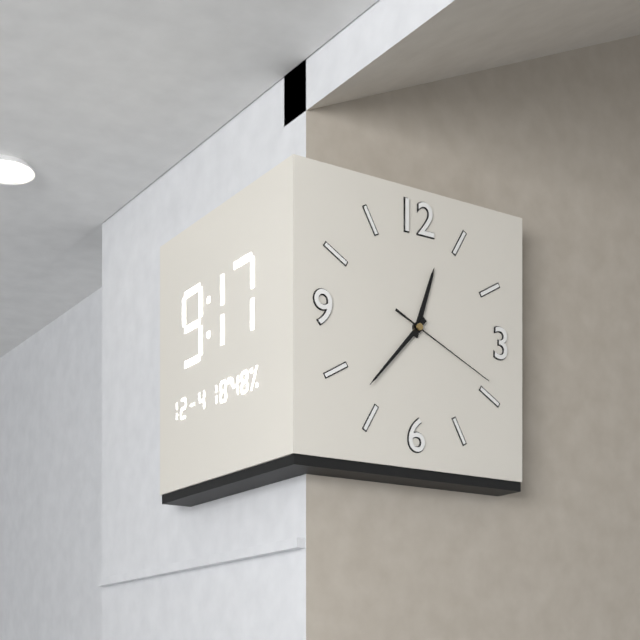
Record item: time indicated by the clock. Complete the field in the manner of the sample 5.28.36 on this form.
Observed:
12.37.19
